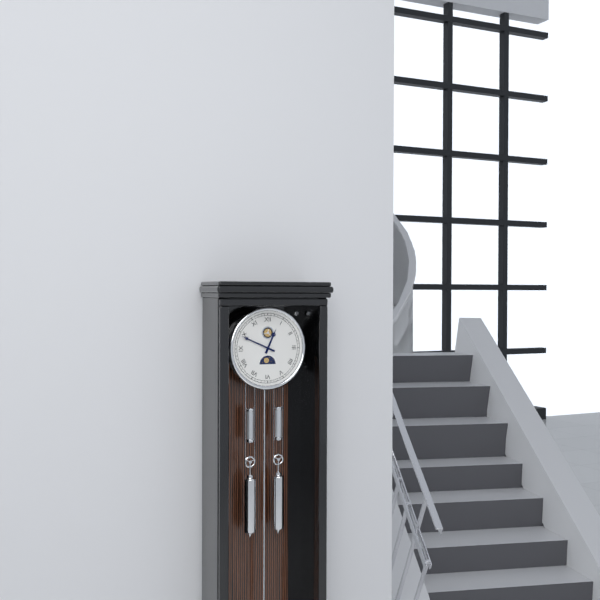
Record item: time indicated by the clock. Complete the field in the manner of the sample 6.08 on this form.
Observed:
12.49
